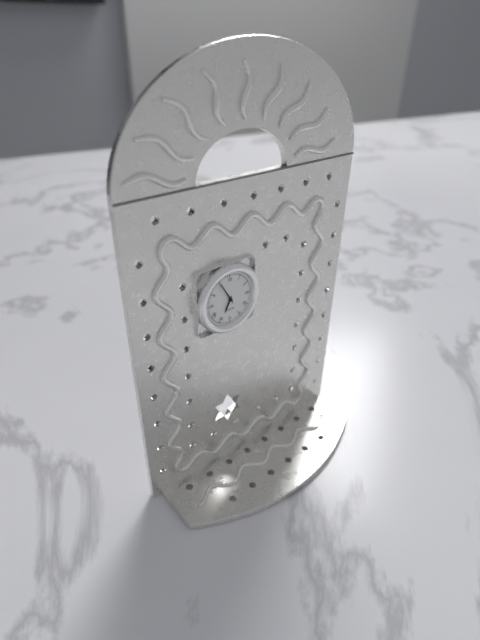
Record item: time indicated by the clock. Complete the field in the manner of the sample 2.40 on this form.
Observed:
6.55
